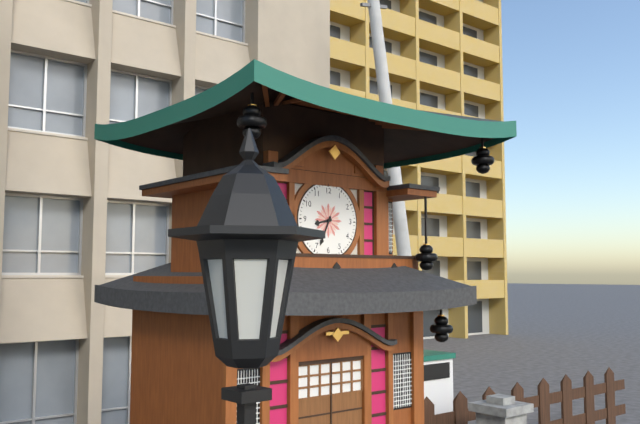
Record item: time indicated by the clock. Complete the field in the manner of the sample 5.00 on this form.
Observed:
8.34
